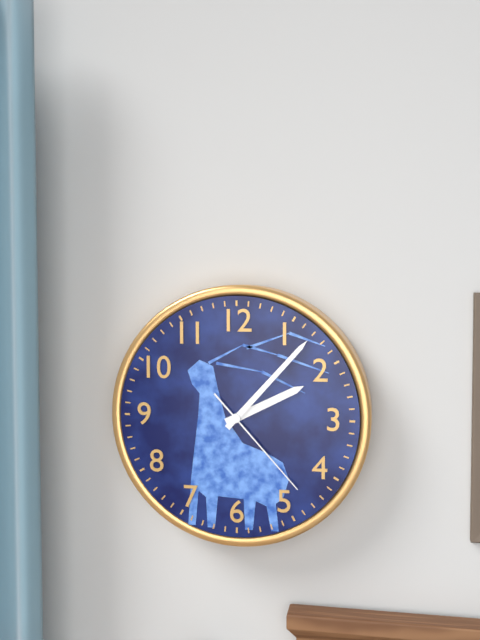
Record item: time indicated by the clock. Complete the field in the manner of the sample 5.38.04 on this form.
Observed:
2.07.23
